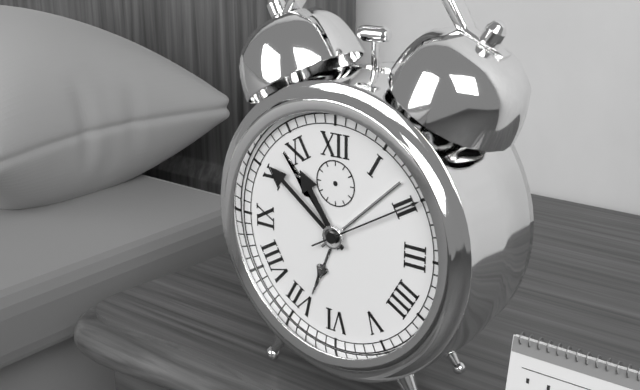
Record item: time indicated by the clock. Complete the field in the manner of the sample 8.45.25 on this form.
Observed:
10.51.10
